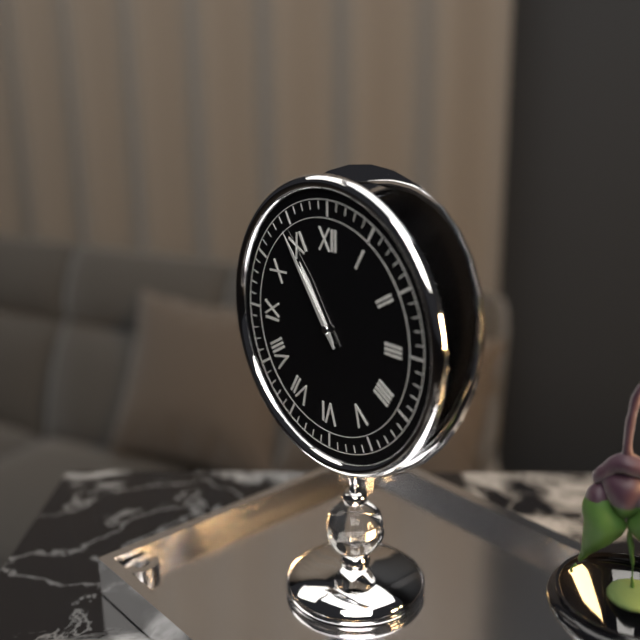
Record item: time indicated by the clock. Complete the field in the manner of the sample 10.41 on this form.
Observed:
10.54
